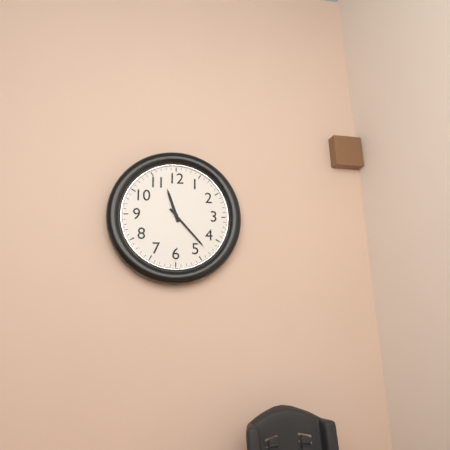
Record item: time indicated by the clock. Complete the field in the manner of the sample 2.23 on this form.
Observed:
11.23
